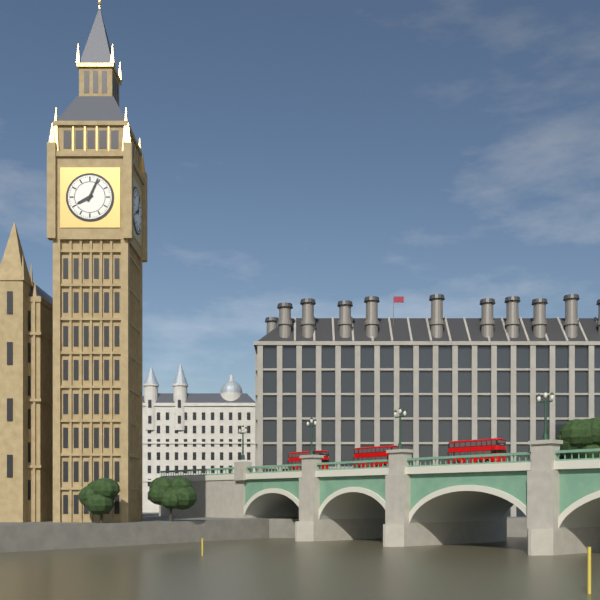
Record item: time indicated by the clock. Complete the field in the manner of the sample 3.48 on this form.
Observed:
8.04
